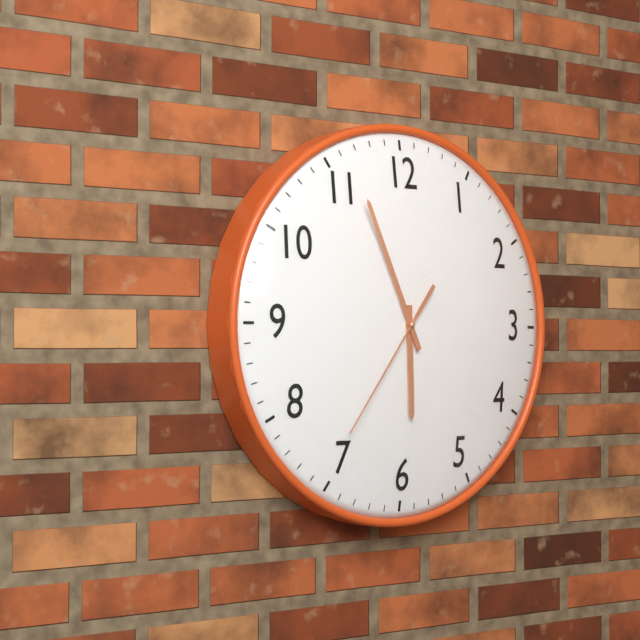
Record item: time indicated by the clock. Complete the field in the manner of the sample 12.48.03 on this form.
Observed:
5.56.36
